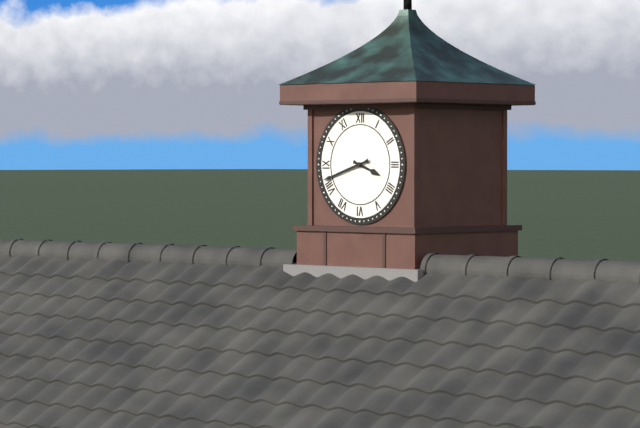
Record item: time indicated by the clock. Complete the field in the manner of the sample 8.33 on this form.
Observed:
3.42
